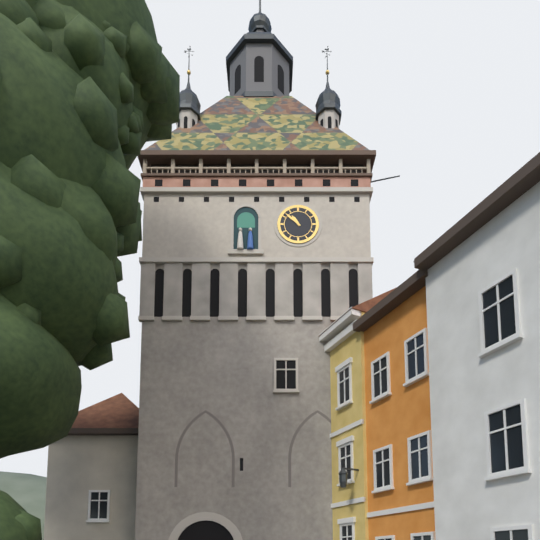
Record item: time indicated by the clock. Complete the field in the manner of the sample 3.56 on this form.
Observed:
10.52
